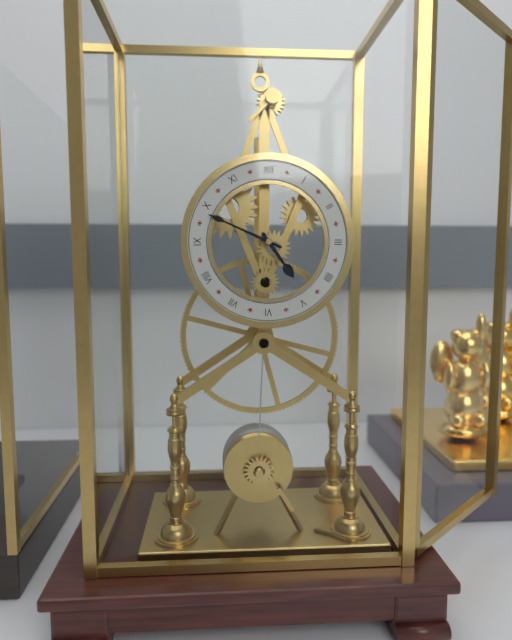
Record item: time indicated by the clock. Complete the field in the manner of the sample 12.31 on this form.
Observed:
4.49
